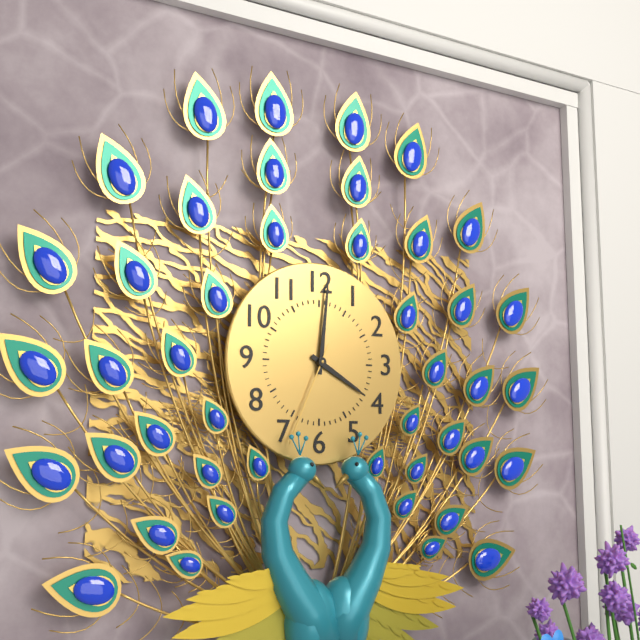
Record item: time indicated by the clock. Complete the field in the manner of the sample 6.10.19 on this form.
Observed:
4.01.34
